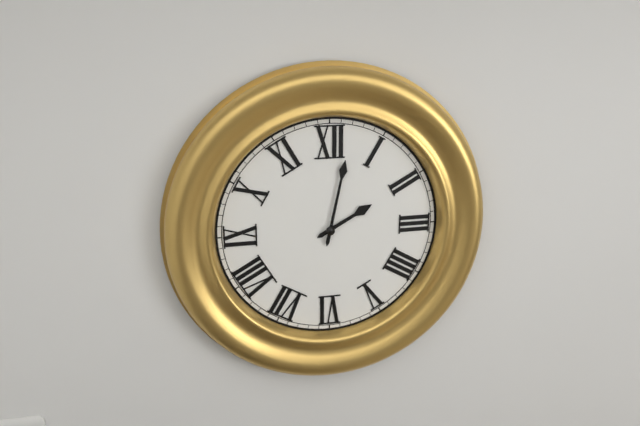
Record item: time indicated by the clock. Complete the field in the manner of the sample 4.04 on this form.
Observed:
2.02
